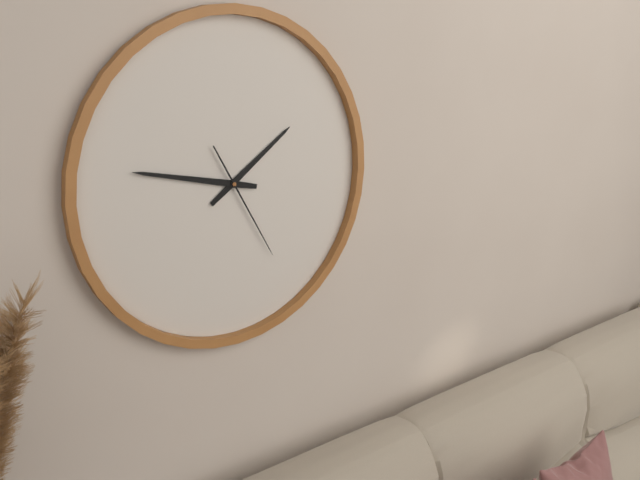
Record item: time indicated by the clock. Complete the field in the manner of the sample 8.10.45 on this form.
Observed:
1.47.25
